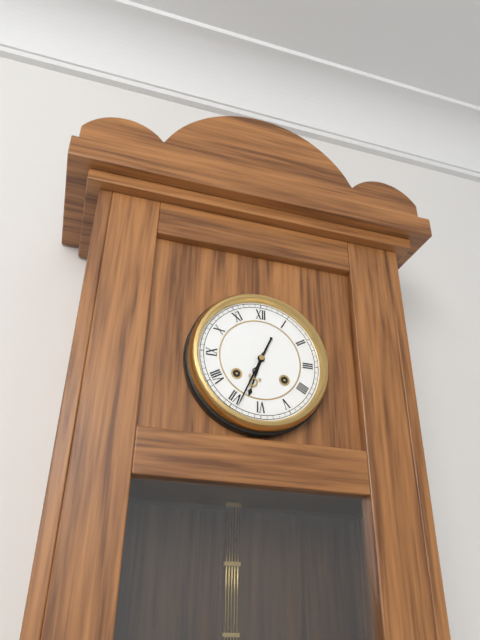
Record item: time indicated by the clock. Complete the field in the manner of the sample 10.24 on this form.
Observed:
6.34
